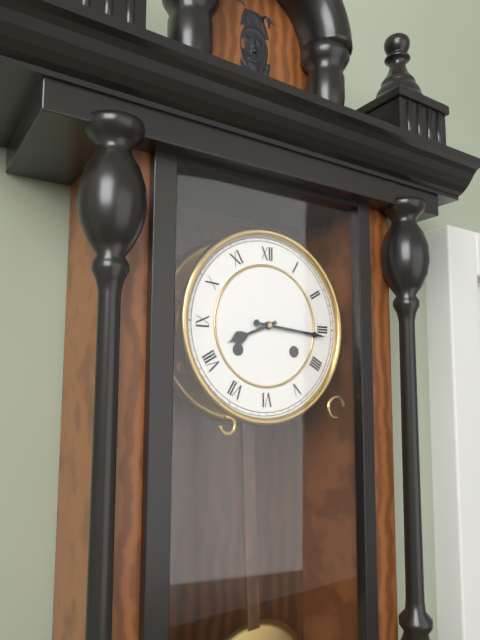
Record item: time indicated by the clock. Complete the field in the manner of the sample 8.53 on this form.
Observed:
8.16
